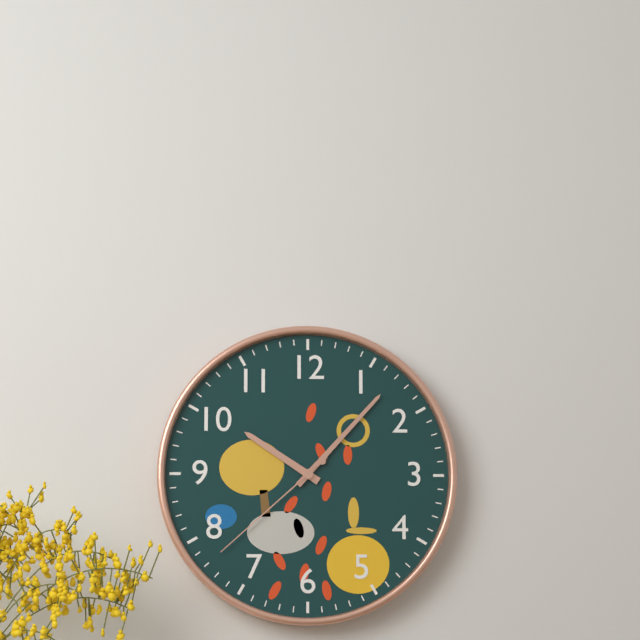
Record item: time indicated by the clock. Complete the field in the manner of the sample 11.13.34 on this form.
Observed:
10.07.38
